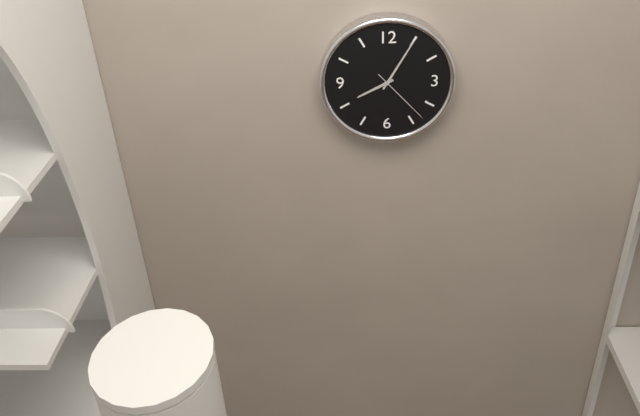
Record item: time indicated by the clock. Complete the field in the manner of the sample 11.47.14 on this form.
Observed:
8.05.23
